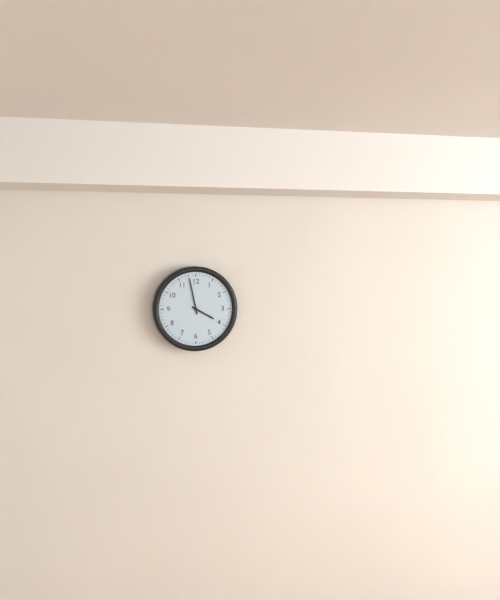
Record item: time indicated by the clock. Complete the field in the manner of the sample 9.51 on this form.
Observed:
3.58
